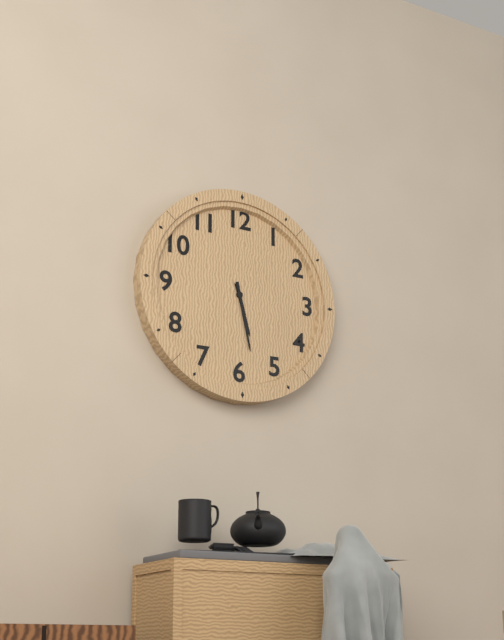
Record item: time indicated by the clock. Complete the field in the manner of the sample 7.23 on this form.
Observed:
5.28
